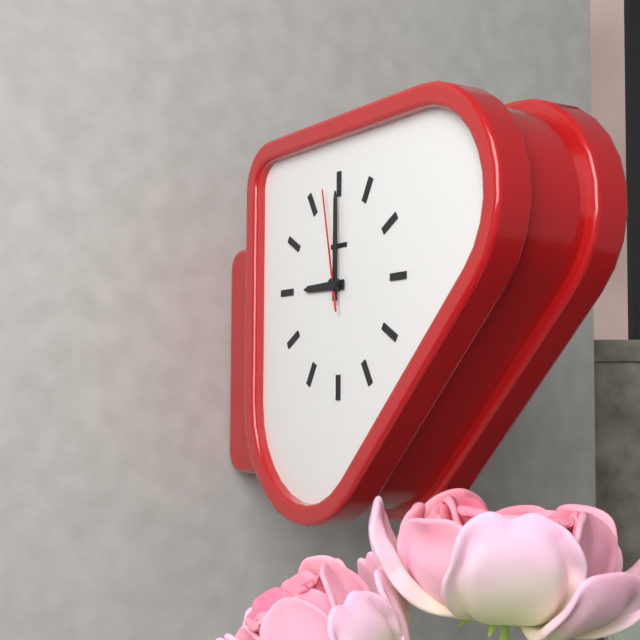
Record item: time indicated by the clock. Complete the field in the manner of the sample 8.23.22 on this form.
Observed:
9.00.58
